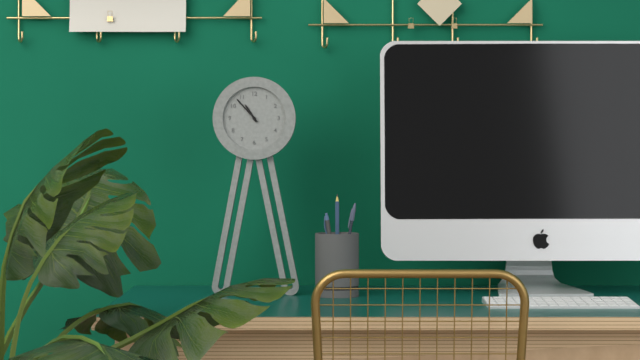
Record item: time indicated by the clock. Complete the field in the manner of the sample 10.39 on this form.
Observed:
10.53
